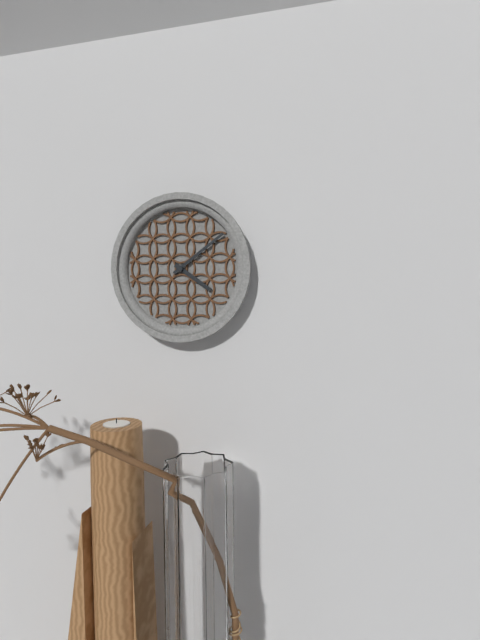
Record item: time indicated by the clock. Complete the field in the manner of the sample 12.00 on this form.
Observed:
4.09
